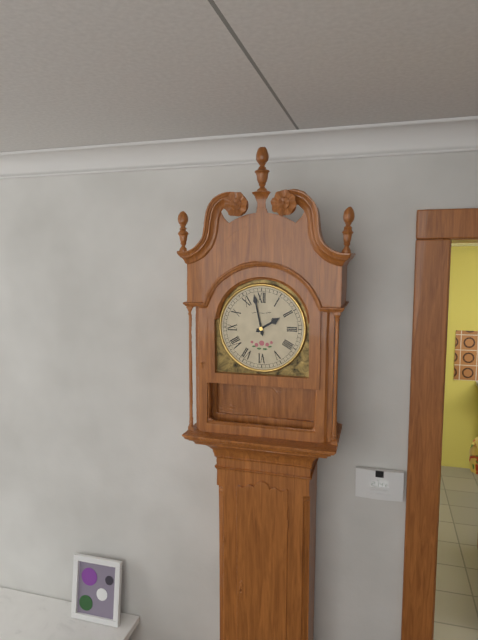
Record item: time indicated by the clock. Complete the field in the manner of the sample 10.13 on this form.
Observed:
1.58
